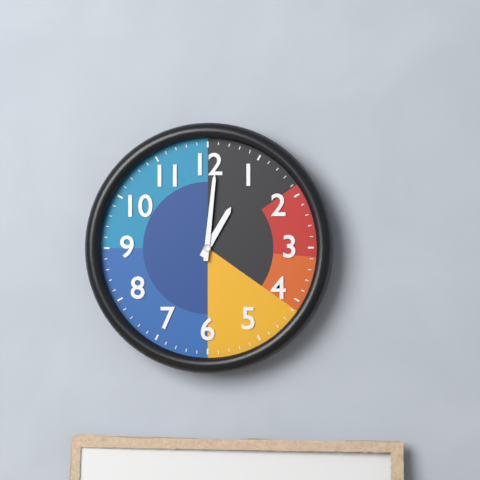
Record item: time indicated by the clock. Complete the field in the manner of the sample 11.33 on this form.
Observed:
1.01
